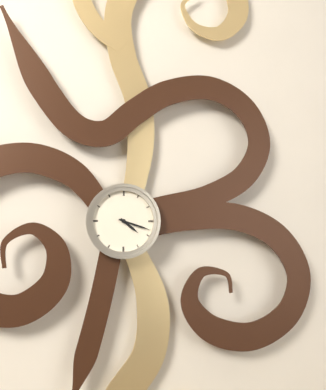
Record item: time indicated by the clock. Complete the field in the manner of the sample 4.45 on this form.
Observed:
4.18
